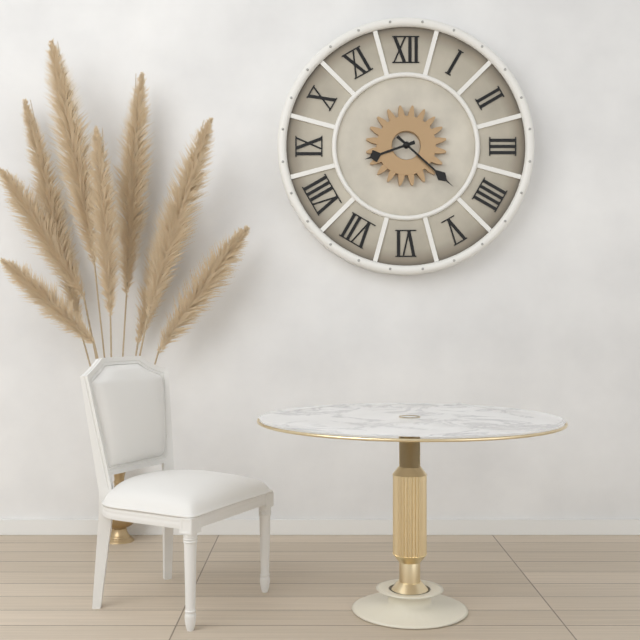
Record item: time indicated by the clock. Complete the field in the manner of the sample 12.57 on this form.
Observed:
8.22
